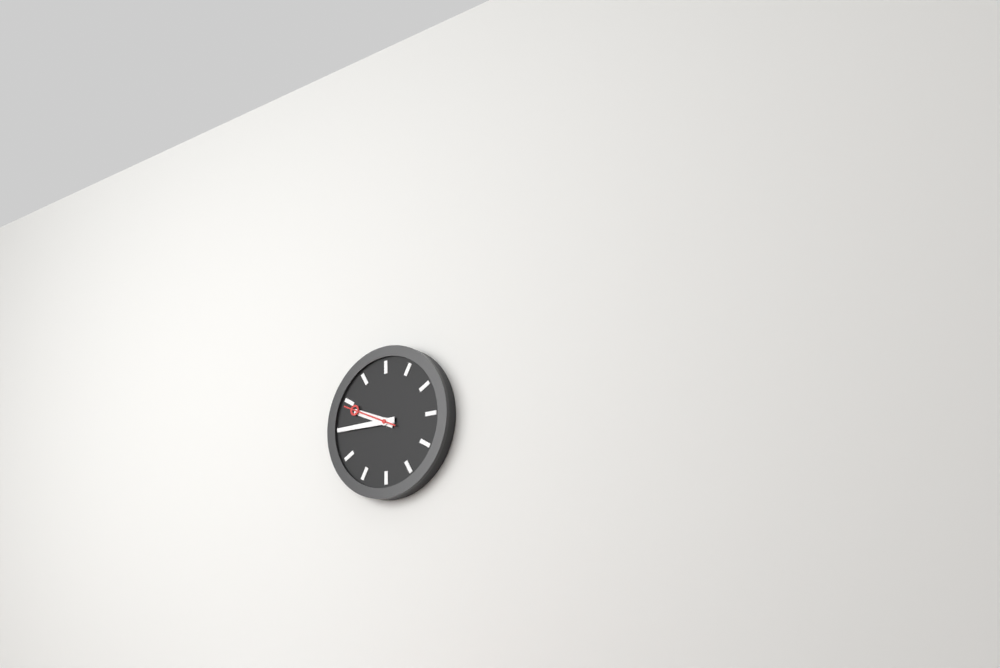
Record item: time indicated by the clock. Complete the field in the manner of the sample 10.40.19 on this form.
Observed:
9.45.49
